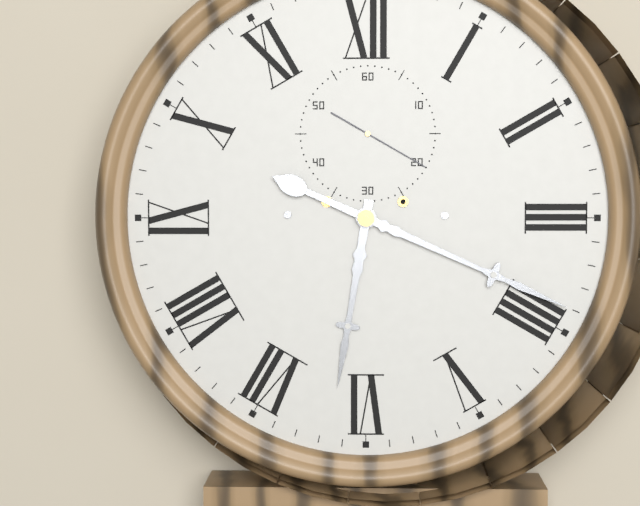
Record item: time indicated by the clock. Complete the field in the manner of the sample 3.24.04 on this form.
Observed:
6.19.20
